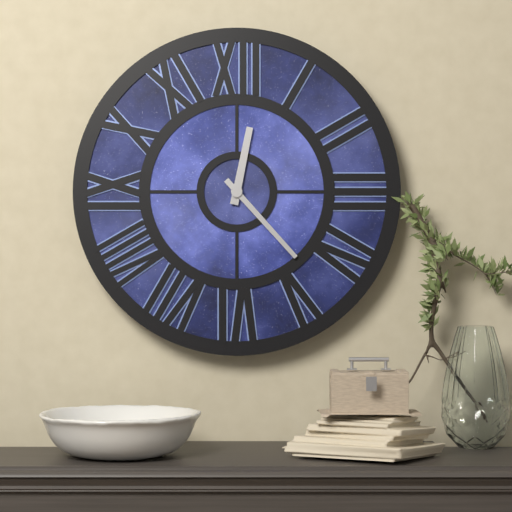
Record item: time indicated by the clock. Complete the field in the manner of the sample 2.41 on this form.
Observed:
12.23
